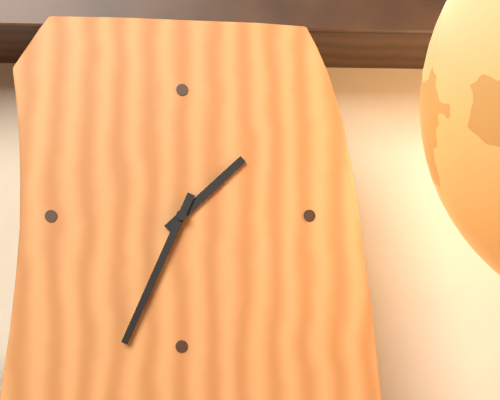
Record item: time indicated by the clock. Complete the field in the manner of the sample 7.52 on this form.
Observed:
1.34
